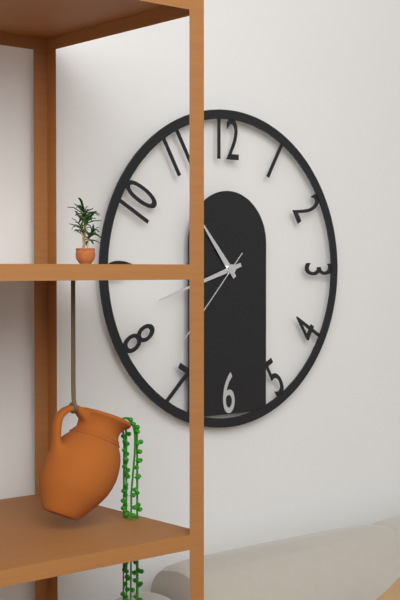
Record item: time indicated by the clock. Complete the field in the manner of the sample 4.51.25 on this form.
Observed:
10.42.37
